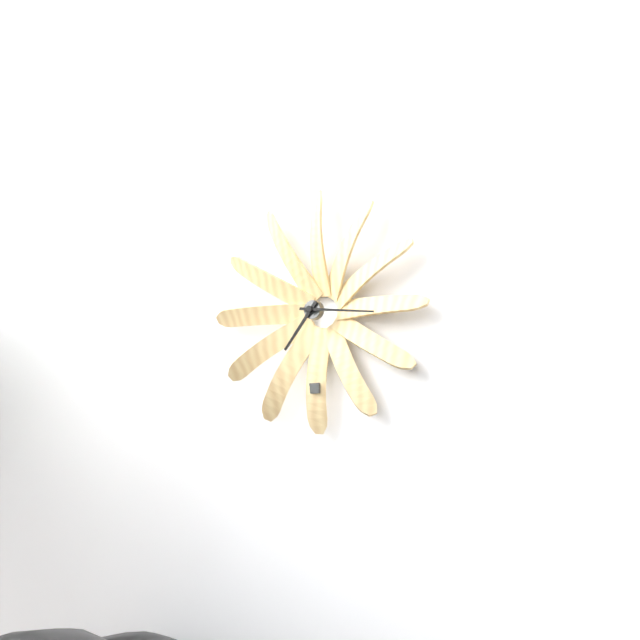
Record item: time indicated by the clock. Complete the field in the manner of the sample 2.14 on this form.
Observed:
7.16
